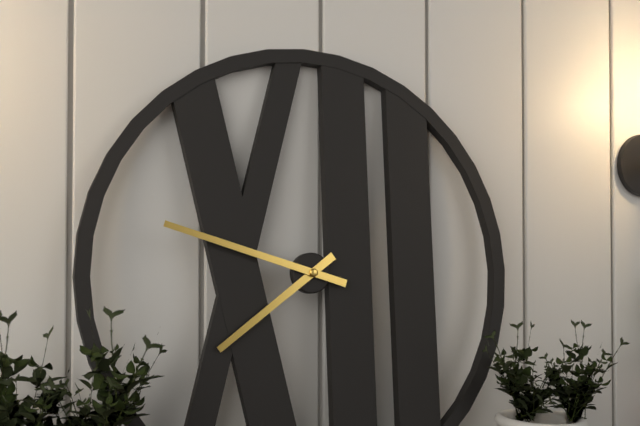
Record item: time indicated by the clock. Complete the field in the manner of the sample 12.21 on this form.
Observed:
7.48
